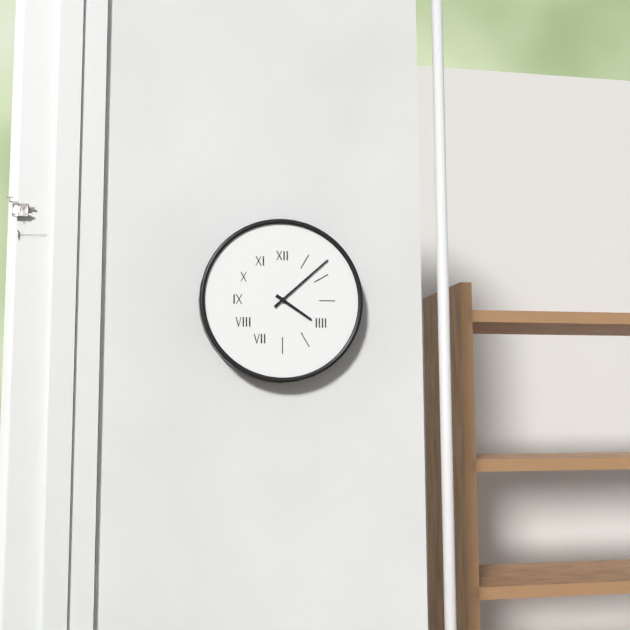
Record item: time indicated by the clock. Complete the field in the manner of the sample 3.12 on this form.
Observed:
4.08
